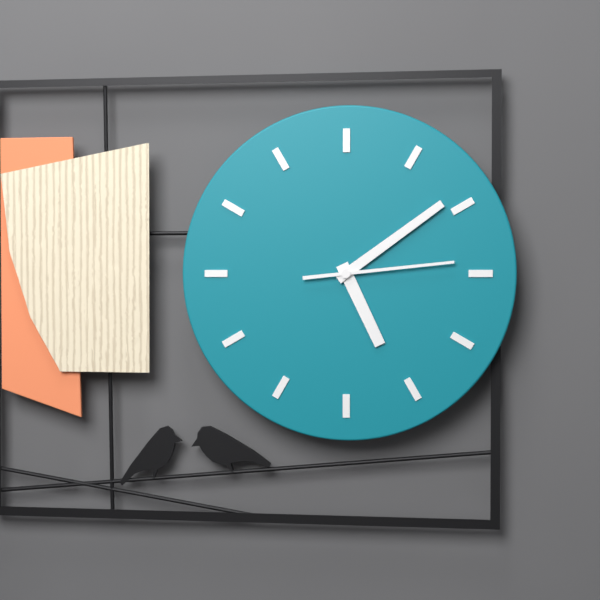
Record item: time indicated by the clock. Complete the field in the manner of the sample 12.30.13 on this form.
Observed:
5.09.14
